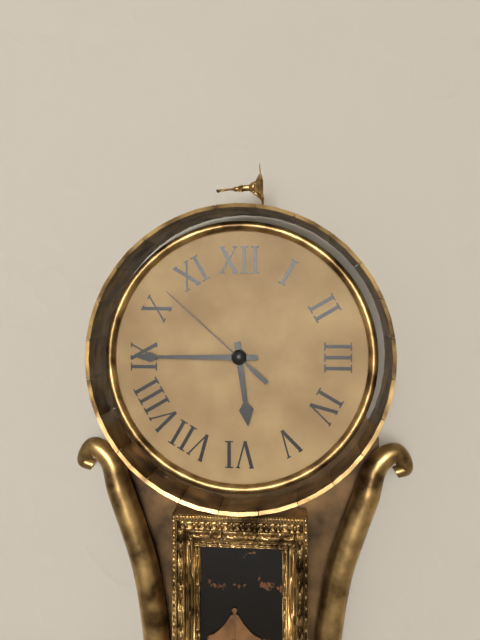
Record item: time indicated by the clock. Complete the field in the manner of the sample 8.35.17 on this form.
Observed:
5.45.52
